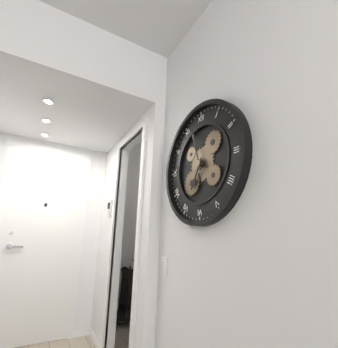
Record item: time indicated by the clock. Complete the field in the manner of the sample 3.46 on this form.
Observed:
6.57
